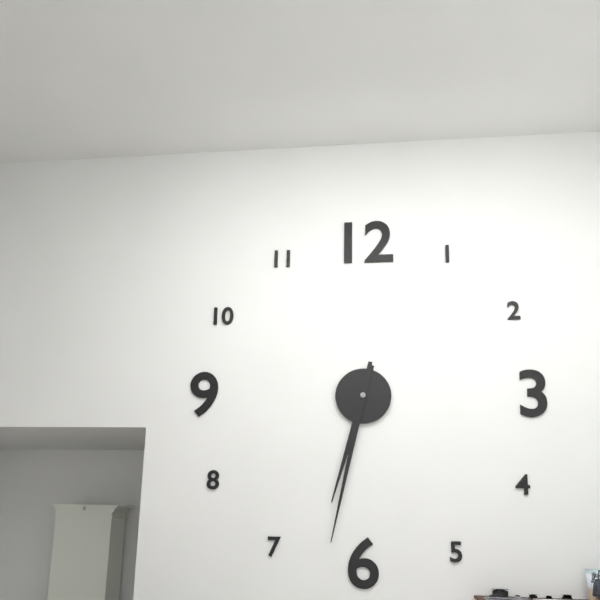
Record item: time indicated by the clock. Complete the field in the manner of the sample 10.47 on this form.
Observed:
6.32
